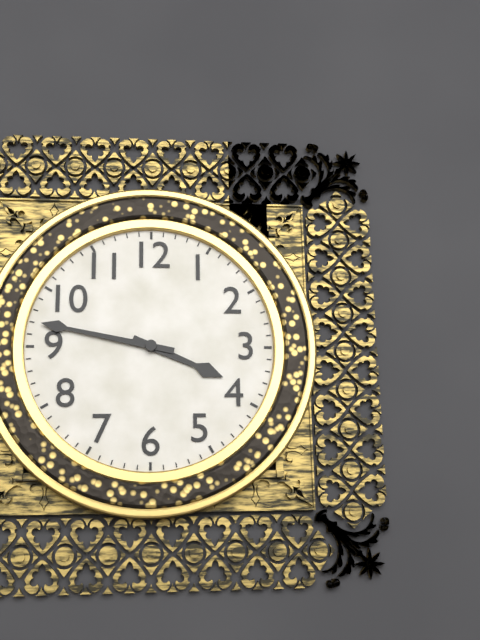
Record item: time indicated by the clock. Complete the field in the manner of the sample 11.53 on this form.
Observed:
3.47
